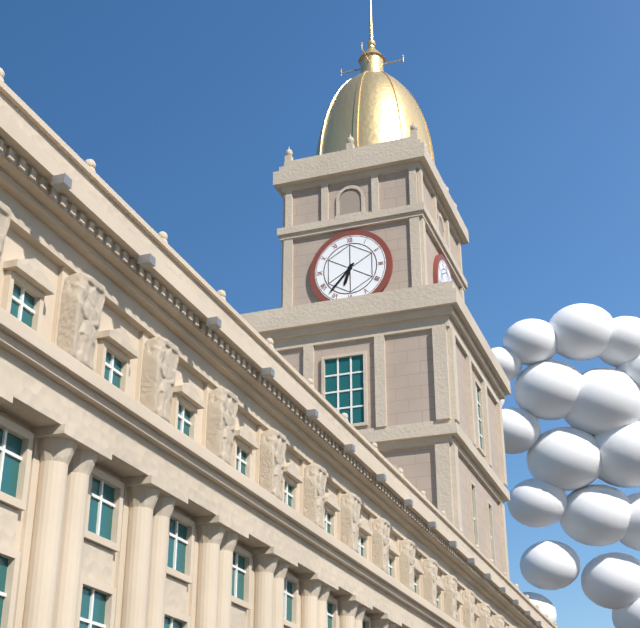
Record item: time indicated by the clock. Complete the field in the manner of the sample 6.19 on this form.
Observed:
6.37
